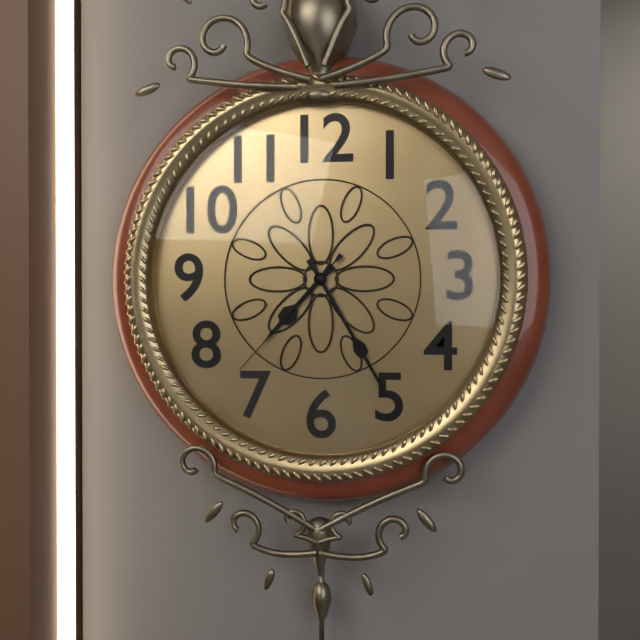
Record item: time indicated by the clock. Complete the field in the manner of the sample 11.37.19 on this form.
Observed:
7.25.37
